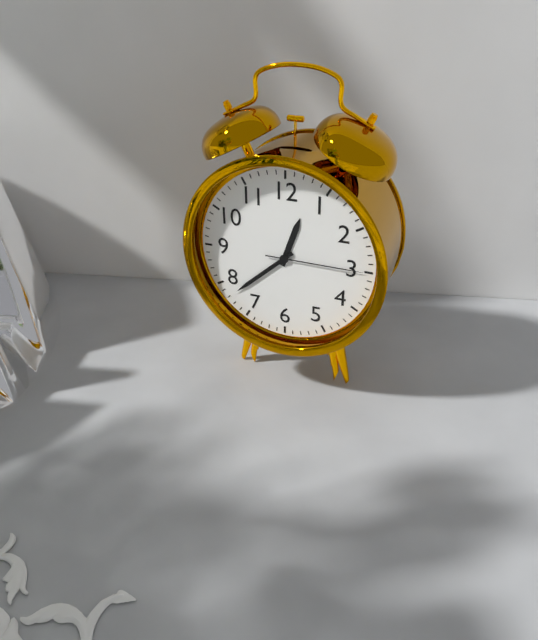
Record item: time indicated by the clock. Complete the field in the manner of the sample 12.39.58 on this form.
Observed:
12.38.15
